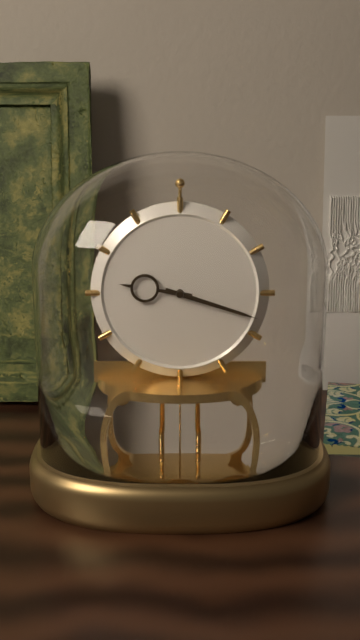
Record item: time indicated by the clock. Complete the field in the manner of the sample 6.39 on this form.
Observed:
9.18
